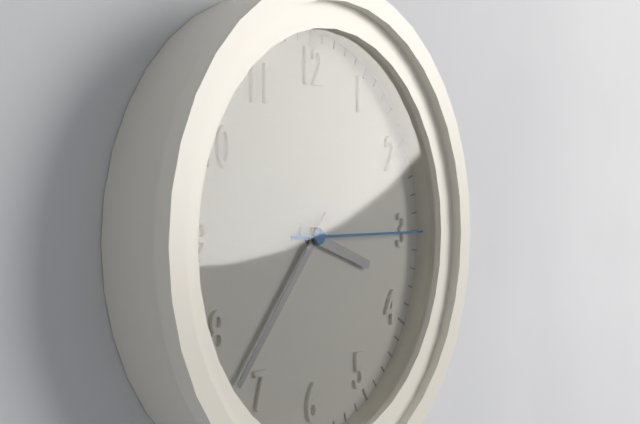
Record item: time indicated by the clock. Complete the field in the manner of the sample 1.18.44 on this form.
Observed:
3.37.15
